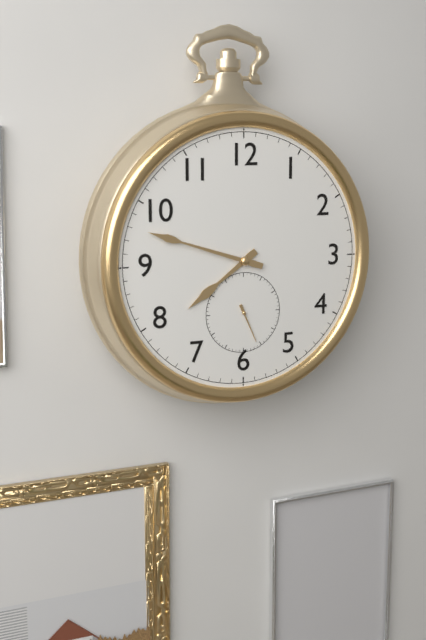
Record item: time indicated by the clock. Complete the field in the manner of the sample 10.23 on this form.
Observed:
7.48
